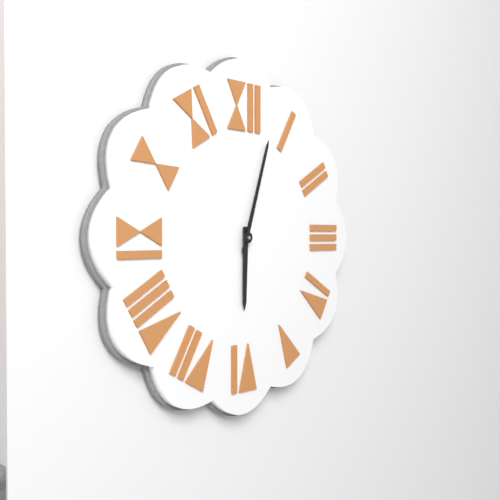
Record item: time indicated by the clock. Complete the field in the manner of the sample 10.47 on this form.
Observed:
6.03
